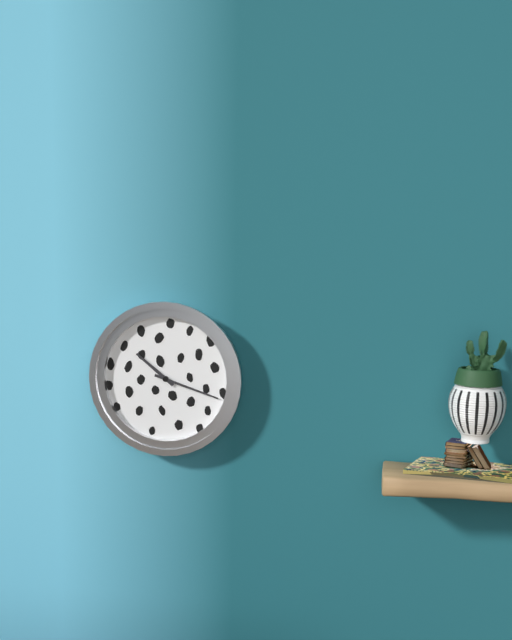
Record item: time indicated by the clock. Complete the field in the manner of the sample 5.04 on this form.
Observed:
10.18
